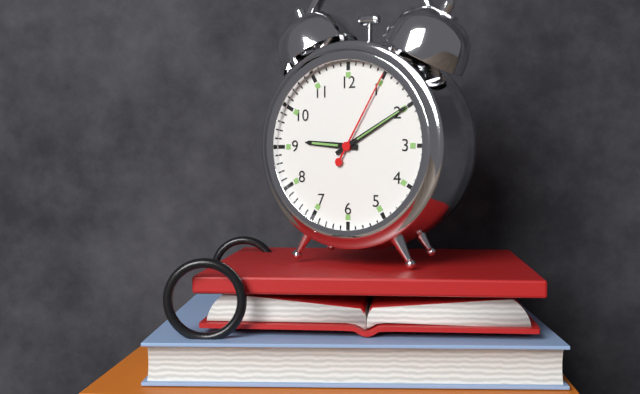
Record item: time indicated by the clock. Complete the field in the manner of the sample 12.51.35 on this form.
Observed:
9.10.05
